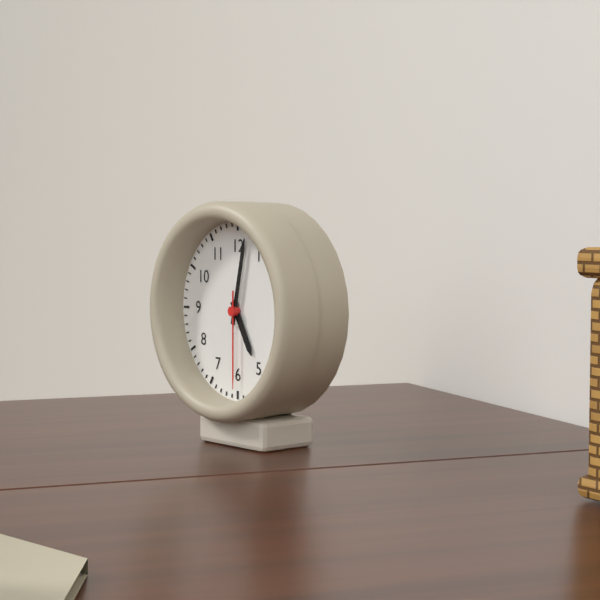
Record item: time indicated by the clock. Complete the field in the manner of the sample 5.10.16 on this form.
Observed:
5.02.30
